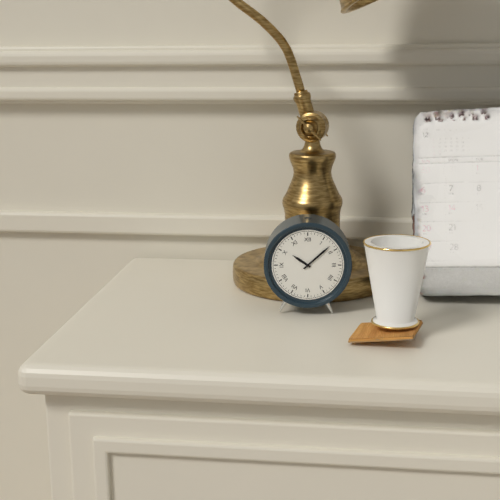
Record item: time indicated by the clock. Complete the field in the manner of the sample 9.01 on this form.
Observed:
10.08
